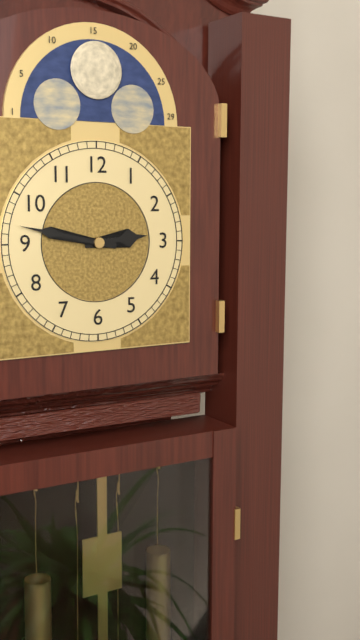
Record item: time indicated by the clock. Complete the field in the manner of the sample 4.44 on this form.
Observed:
2.47
